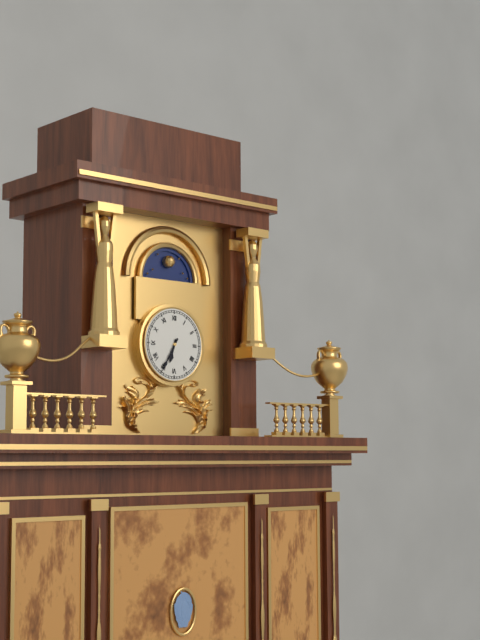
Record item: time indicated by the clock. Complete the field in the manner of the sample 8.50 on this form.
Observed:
6.35
